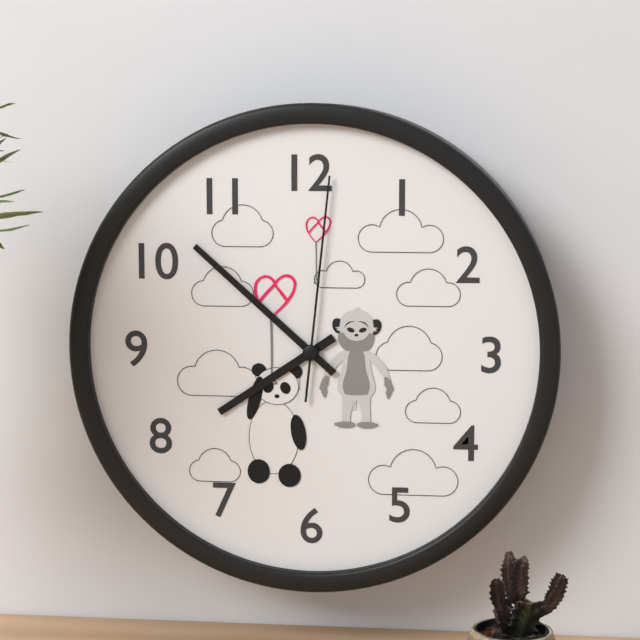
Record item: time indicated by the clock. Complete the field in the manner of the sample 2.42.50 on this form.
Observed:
7.52.01
